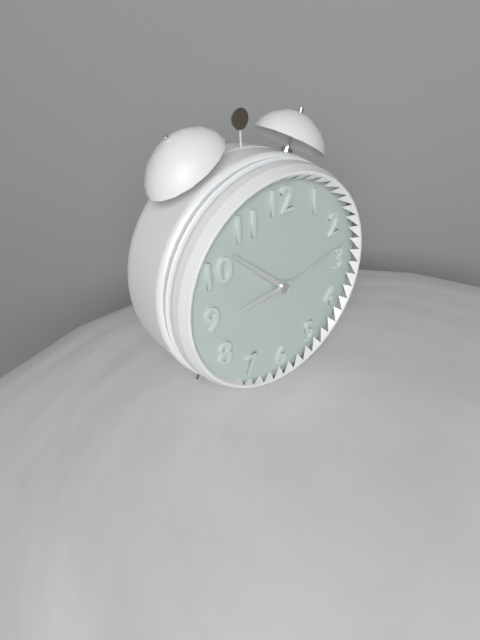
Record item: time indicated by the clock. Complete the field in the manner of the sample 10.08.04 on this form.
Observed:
8.52.13
